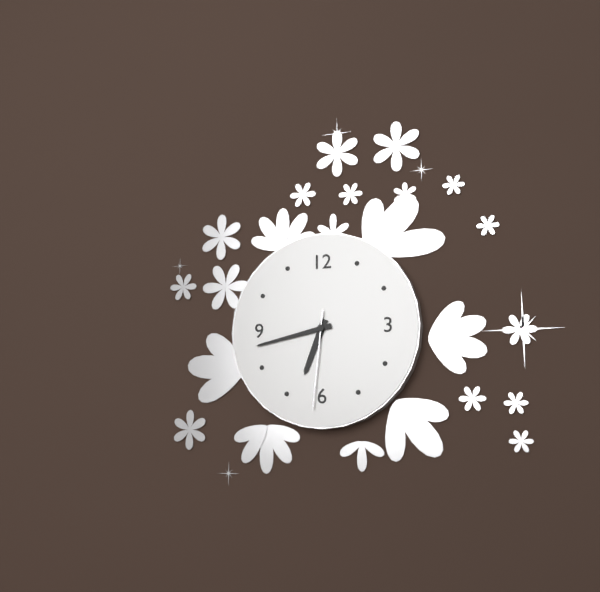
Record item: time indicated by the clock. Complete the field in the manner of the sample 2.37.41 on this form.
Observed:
6.43.31
